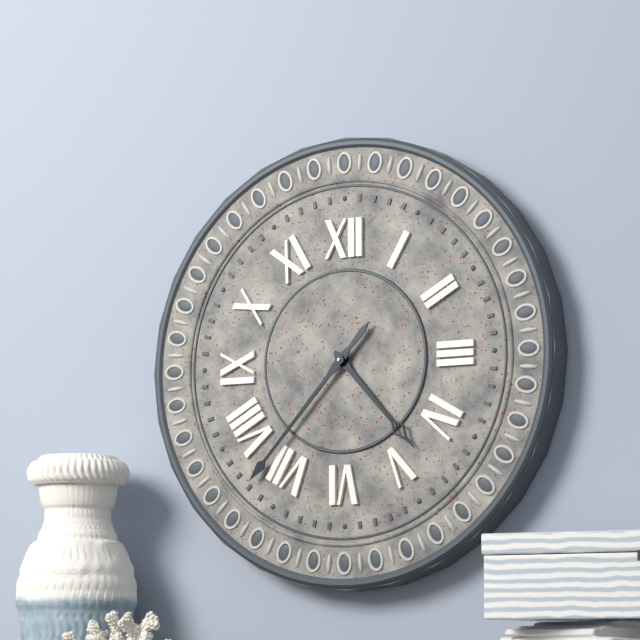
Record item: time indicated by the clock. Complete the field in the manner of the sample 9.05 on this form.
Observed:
4.37
